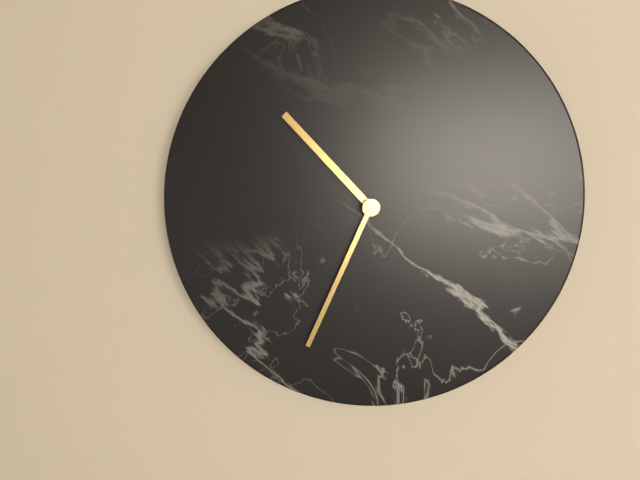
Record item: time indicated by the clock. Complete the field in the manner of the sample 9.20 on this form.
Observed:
10.34
